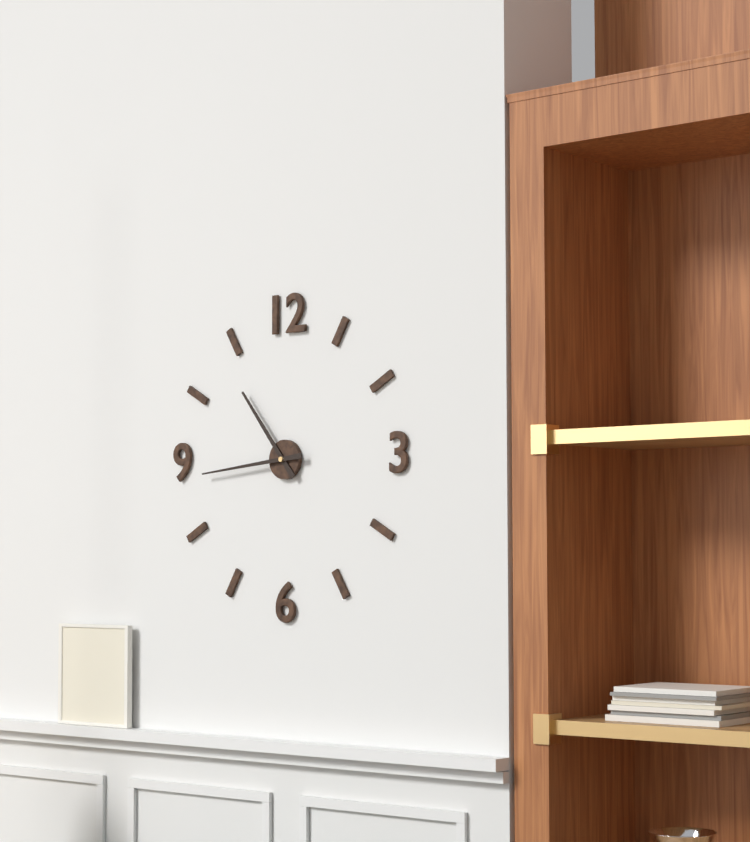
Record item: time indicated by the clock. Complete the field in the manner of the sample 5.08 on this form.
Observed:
10.44
